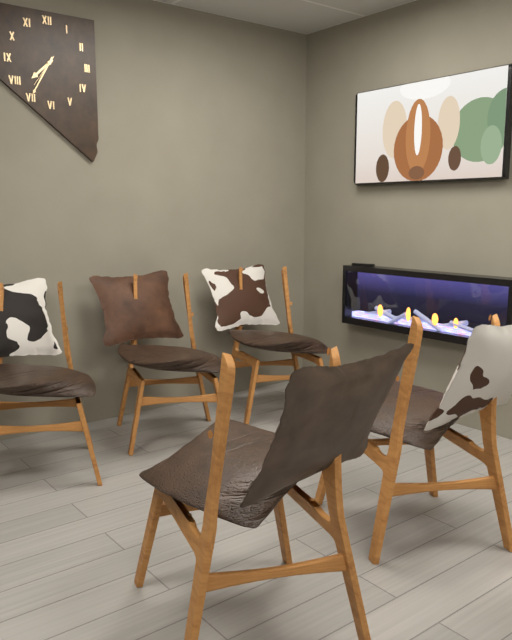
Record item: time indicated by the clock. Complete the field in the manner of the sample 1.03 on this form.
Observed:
7.35
